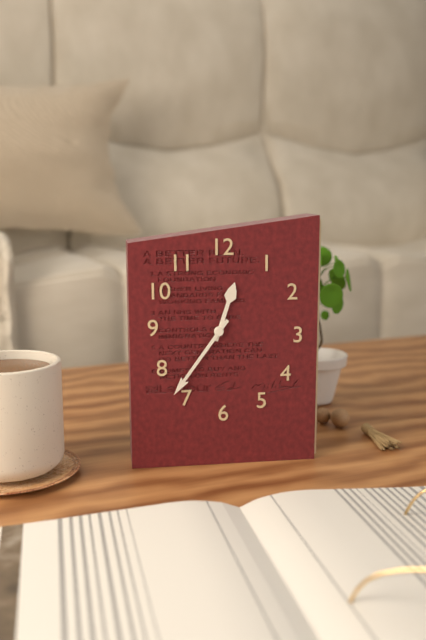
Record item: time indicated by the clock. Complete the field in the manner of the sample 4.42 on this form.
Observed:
12.36
